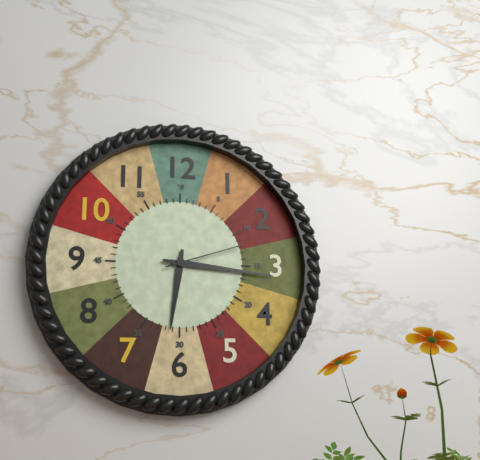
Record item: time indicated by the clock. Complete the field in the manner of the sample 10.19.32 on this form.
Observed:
6.16.12
